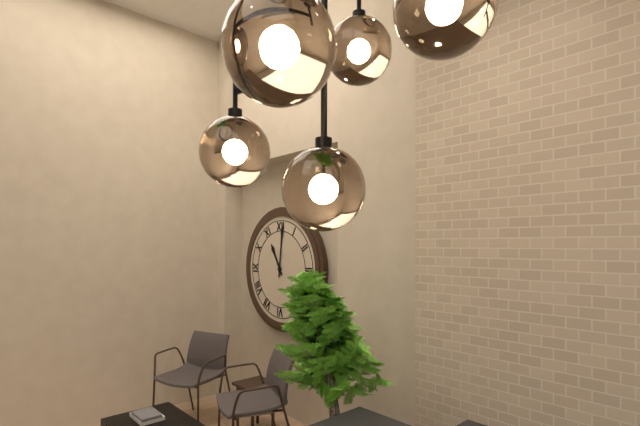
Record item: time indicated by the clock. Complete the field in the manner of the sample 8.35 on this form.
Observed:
11.01
